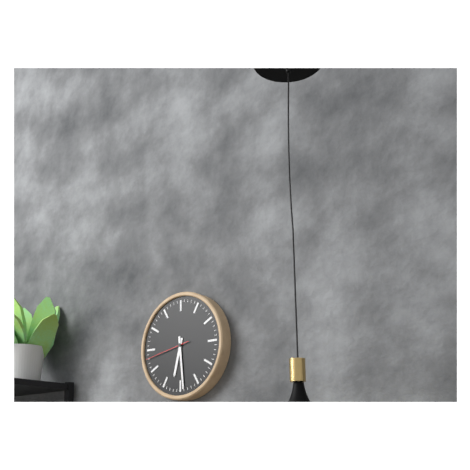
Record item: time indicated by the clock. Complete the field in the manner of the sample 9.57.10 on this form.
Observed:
6.29.43
